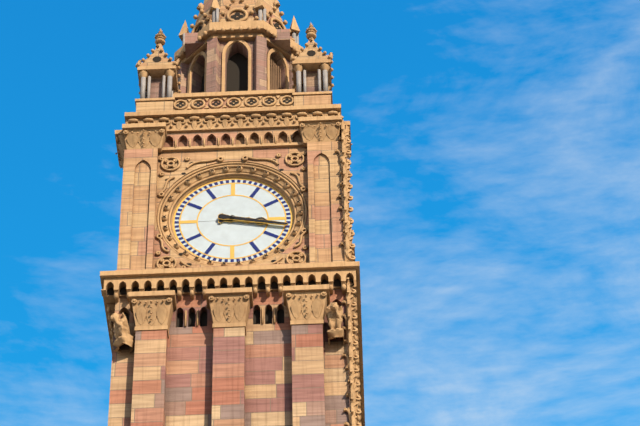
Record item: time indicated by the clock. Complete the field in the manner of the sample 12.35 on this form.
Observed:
3.17
